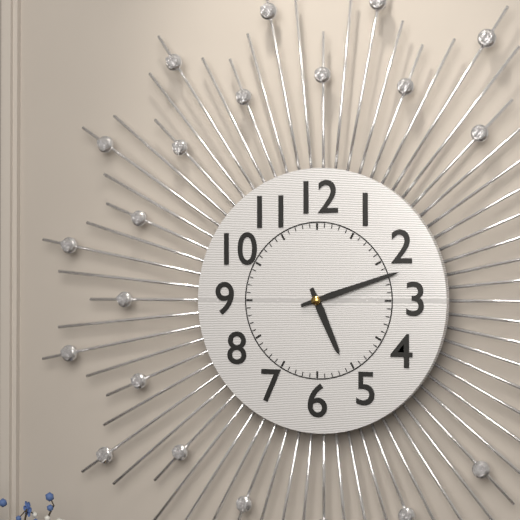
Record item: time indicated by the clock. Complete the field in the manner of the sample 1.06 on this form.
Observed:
5.12
